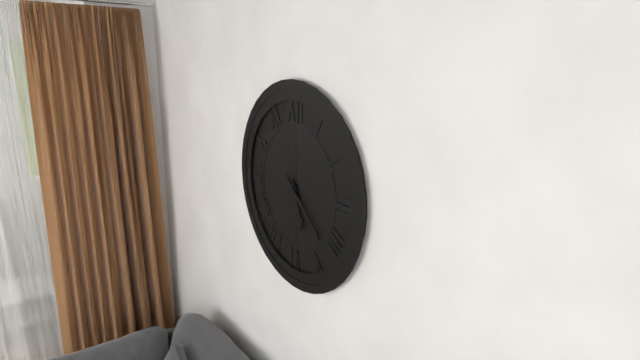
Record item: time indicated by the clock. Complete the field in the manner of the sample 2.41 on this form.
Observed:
5.22
